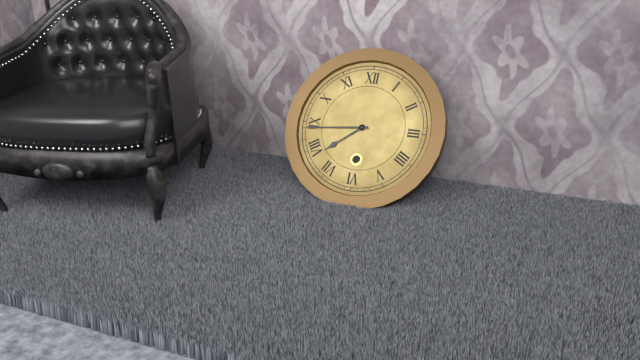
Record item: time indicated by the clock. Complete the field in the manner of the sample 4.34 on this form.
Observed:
7.44
